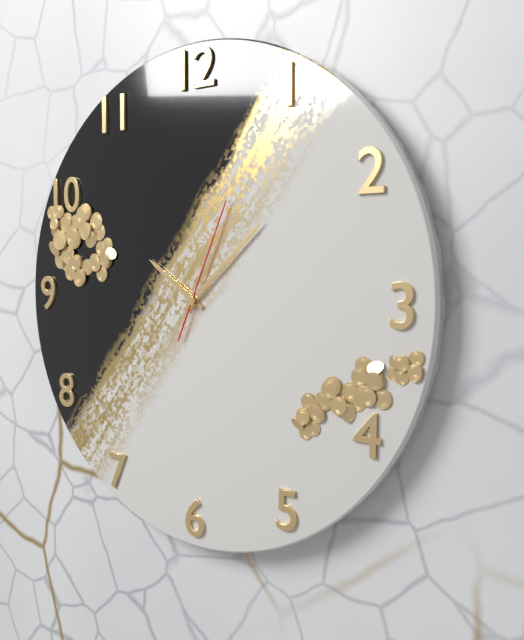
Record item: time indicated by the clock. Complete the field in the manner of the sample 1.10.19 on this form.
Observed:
10.08.04
